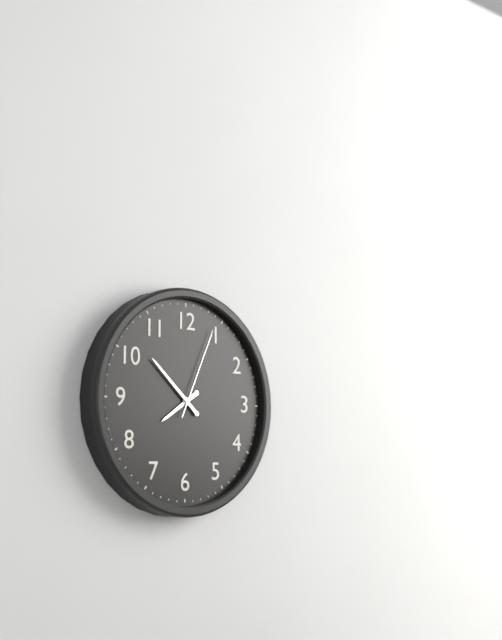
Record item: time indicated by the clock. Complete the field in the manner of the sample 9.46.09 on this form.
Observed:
7.52.04
